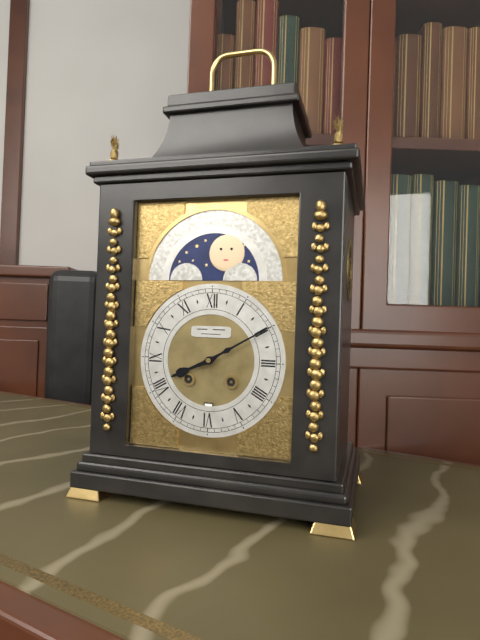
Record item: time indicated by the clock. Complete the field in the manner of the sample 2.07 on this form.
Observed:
8.10
